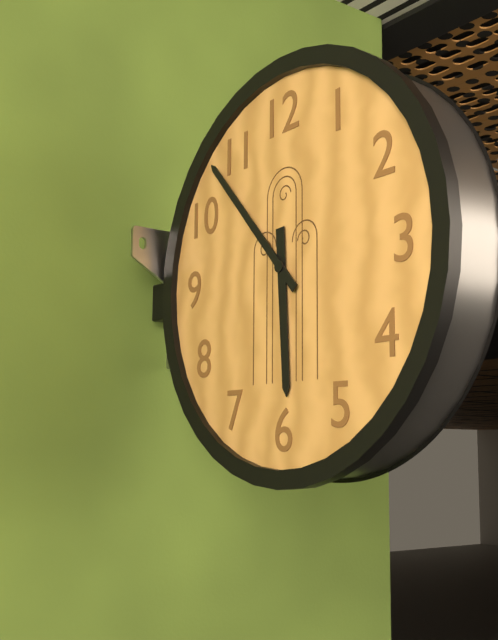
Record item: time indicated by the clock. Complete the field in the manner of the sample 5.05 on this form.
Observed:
5.53
